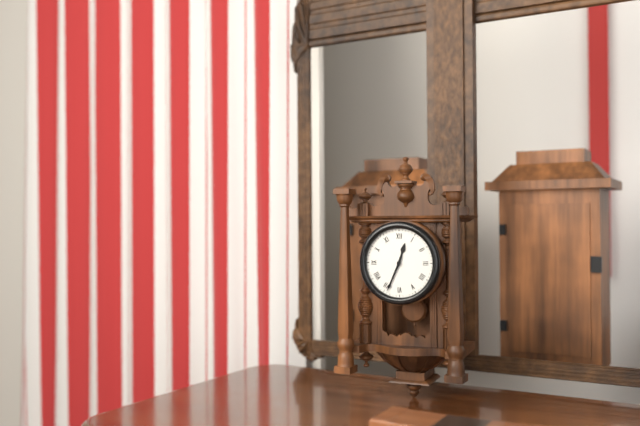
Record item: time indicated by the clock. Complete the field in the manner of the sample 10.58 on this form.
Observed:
12.34
